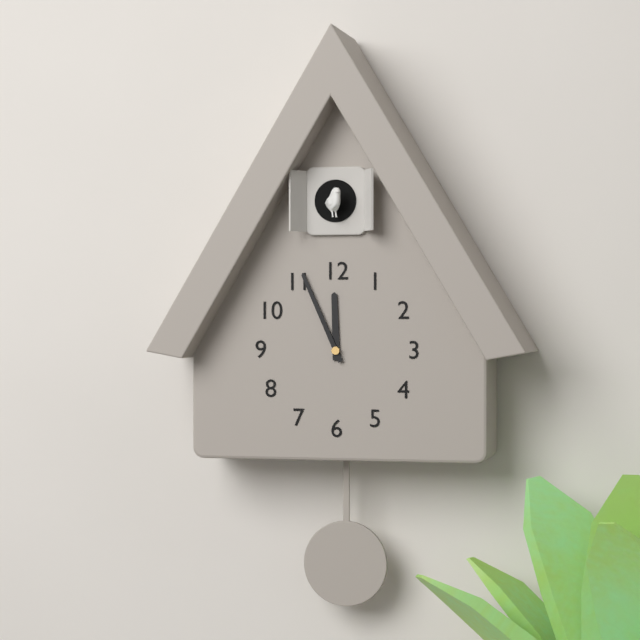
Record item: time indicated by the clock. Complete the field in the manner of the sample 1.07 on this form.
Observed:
11.56
